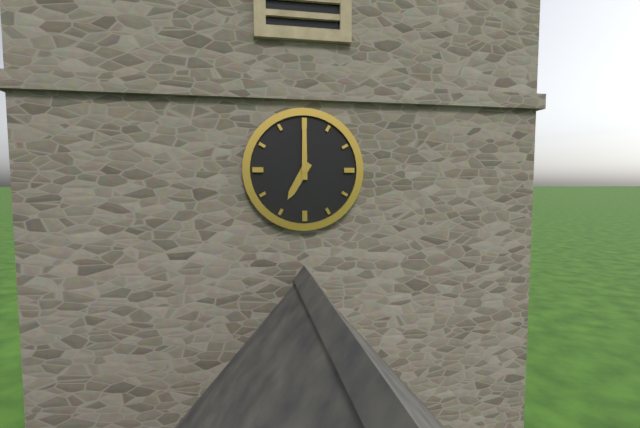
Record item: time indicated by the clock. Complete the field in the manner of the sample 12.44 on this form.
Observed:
7.00
